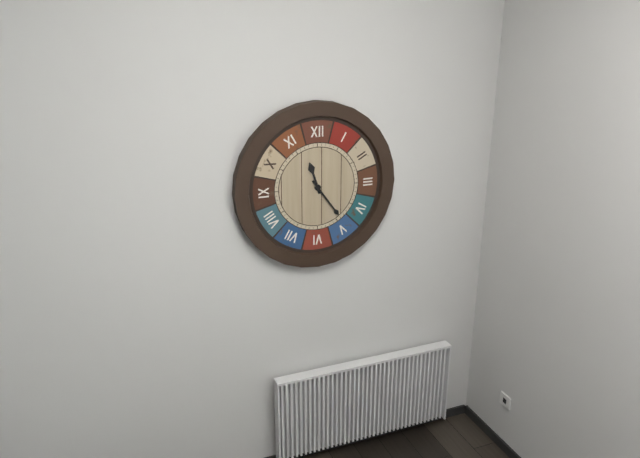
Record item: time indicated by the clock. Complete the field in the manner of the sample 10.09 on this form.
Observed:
11.24
